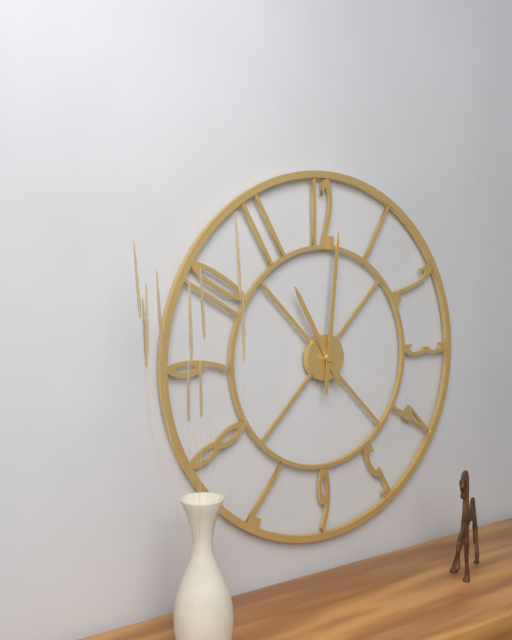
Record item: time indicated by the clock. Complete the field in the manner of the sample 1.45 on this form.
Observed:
11.01
